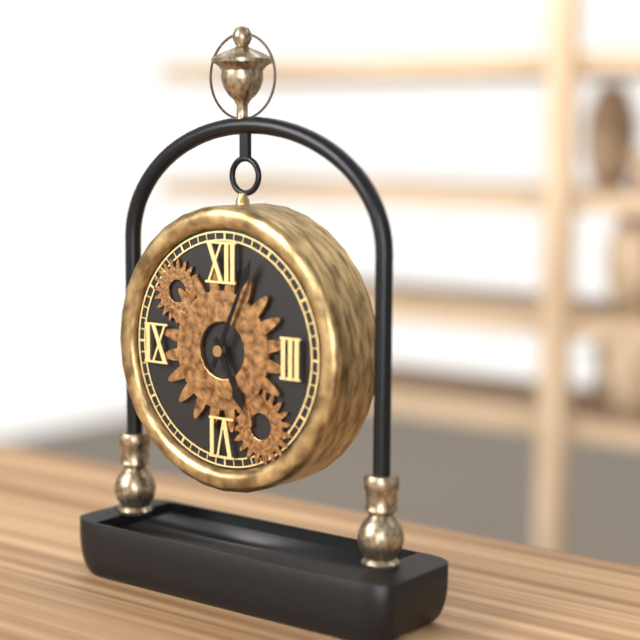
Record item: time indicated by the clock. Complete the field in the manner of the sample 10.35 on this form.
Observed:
5.04
